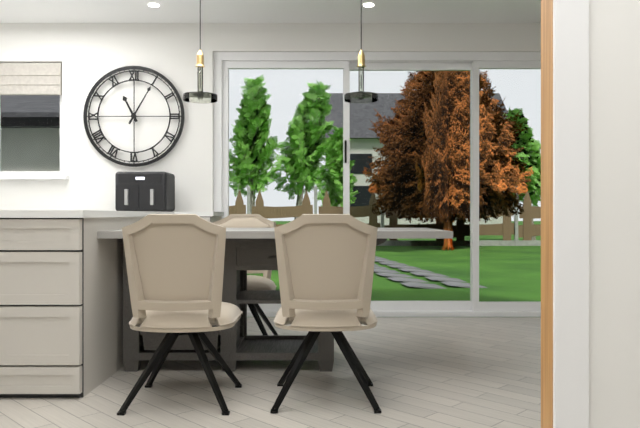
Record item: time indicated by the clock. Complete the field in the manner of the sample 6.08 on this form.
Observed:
11.05
